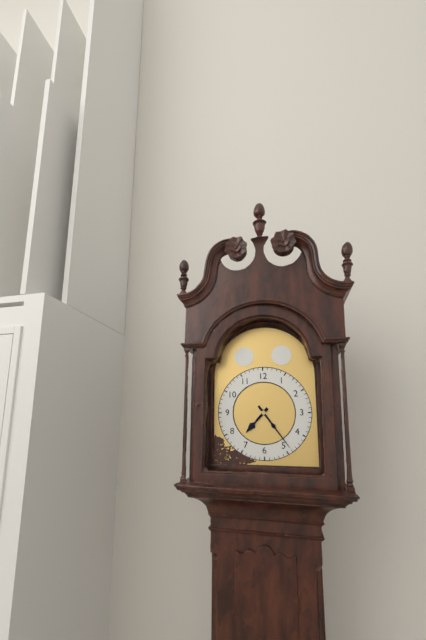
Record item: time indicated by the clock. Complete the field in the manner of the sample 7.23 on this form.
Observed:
7.24
